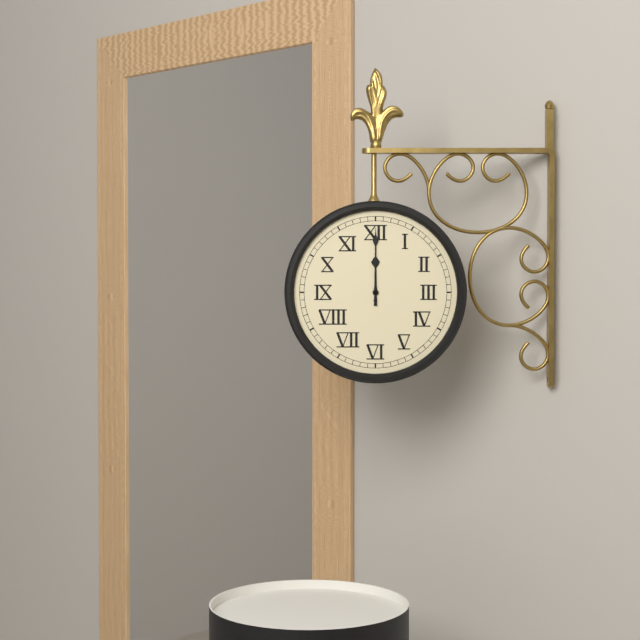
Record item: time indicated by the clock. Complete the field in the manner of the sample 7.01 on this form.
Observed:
12.00
